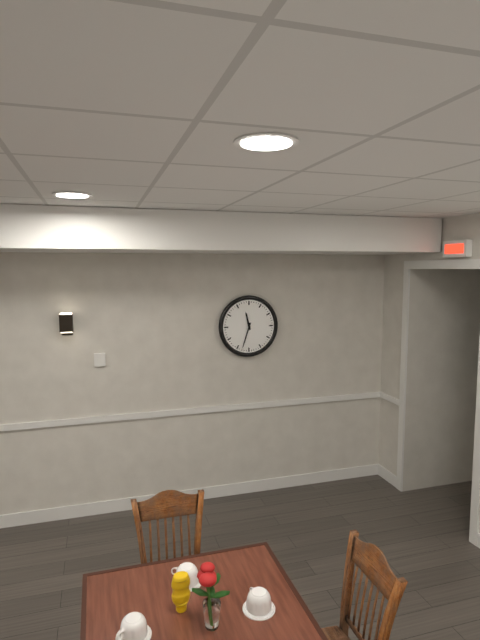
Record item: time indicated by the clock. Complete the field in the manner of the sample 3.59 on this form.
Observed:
11.33
